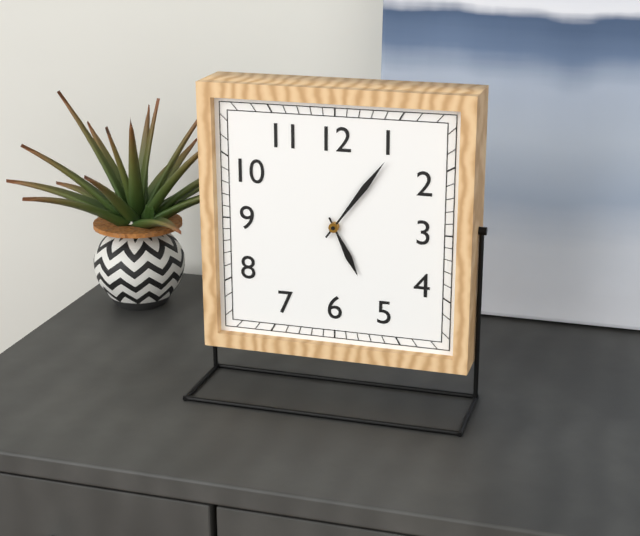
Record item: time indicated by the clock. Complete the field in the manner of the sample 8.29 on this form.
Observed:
5.06
